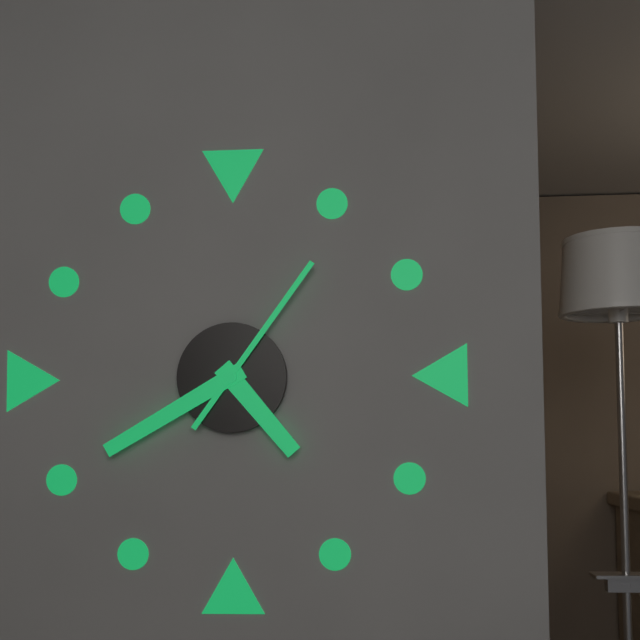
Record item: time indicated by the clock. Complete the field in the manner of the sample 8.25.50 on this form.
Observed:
4.40.06
